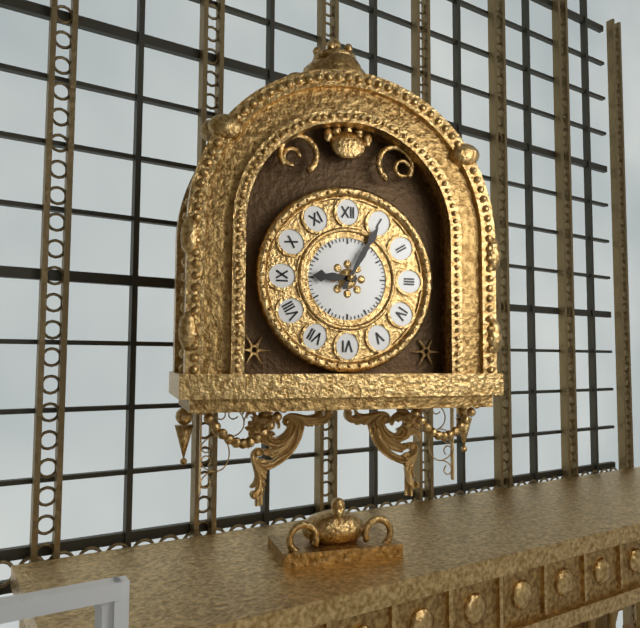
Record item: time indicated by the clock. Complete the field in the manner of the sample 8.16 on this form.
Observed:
9.05
